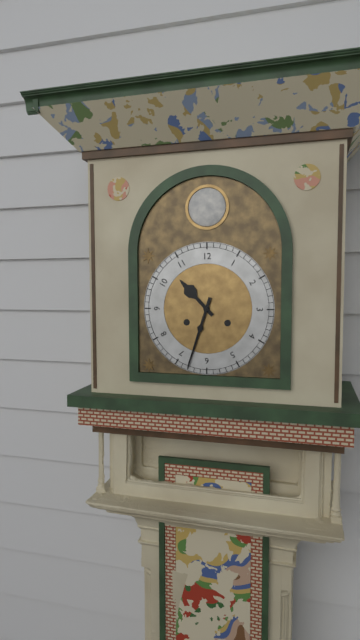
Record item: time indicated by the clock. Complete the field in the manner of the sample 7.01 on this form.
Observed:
10.33
